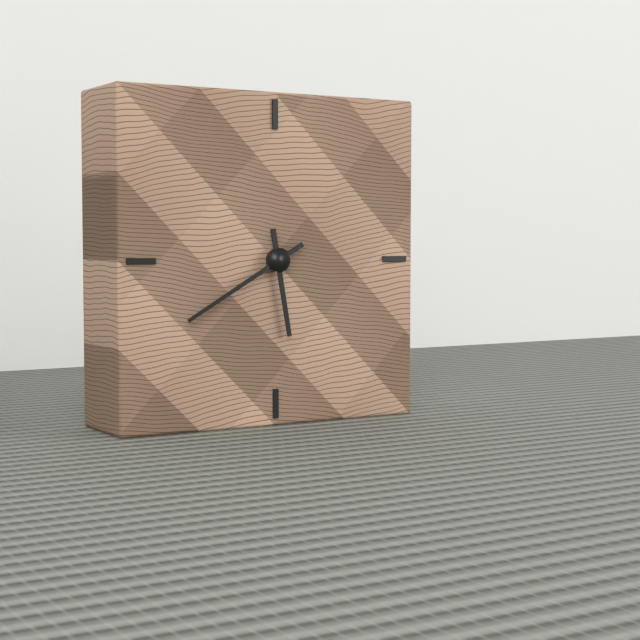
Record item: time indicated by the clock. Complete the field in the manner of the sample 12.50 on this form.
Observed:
5.40
